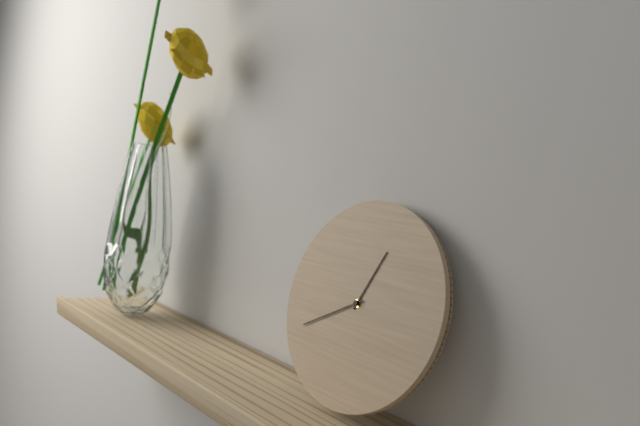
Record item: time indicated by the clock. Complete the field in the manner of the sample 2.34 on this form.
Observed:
12.40
